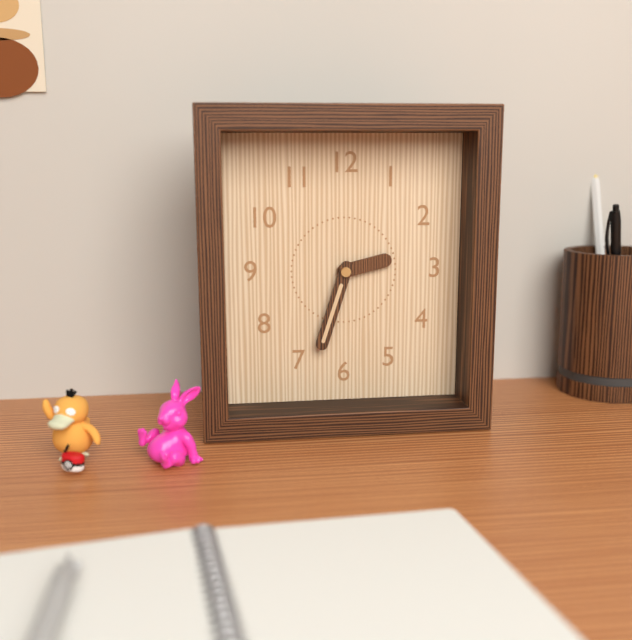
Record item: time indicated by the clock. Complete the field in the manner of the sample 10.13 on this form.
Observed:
2.33
